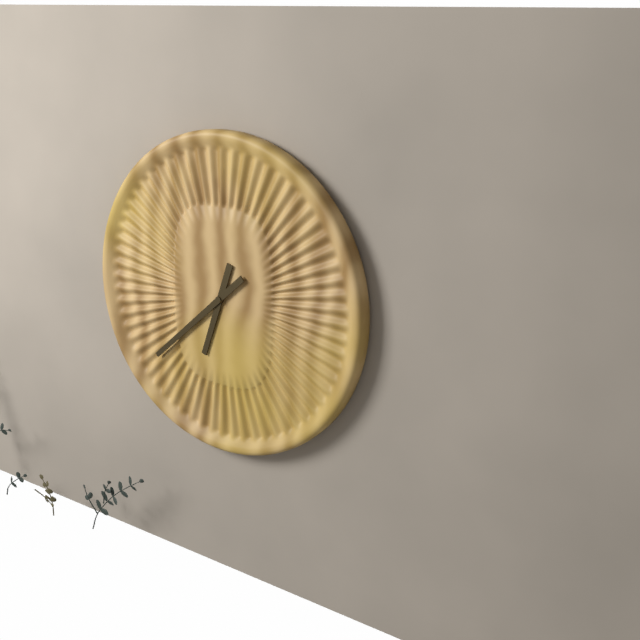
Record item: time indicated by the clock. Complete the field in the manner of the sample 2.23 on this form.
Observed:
6.38
